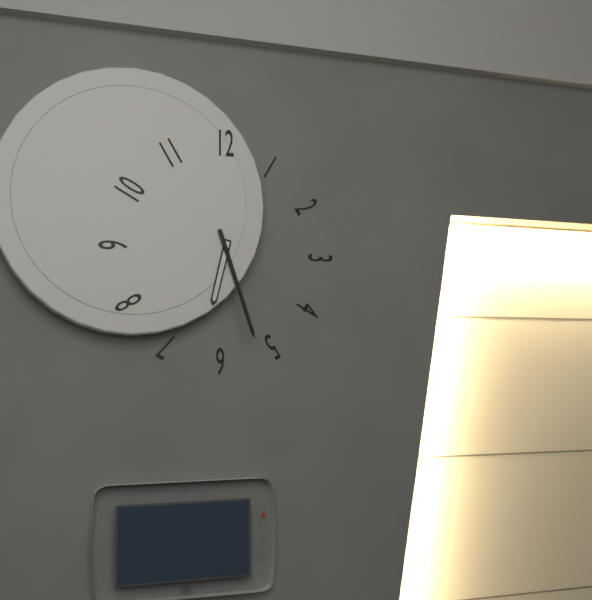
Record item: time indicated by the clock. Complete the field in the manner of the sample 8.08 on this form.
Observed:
6.27
